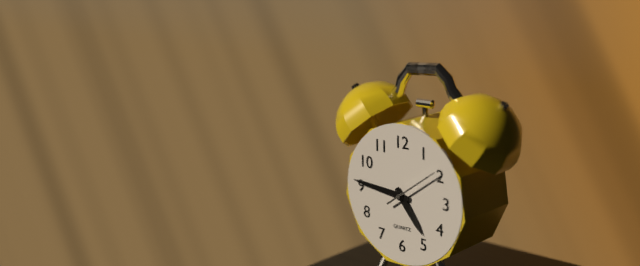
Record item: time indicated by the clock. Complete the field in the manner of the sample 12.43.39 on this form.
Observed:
4.46.09
